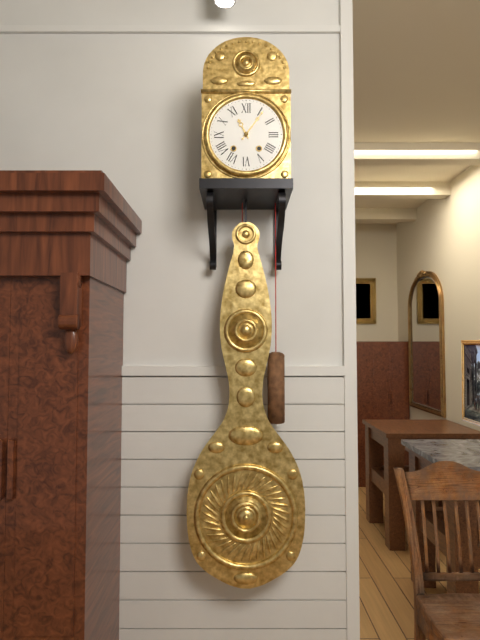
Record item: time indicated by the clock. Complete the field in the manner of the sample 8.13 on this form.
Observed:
11.06
